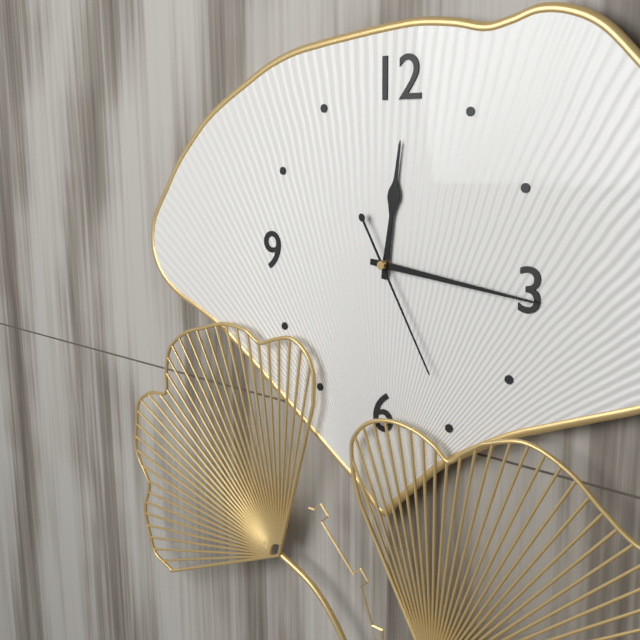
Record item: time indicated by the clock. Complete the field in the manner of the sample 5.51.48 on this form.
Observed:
12.16.25
